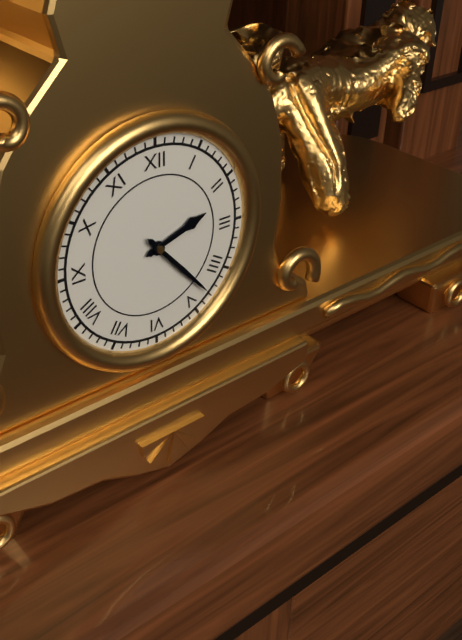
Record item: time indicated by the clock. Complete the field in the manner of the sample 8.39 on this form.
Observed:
2.23
